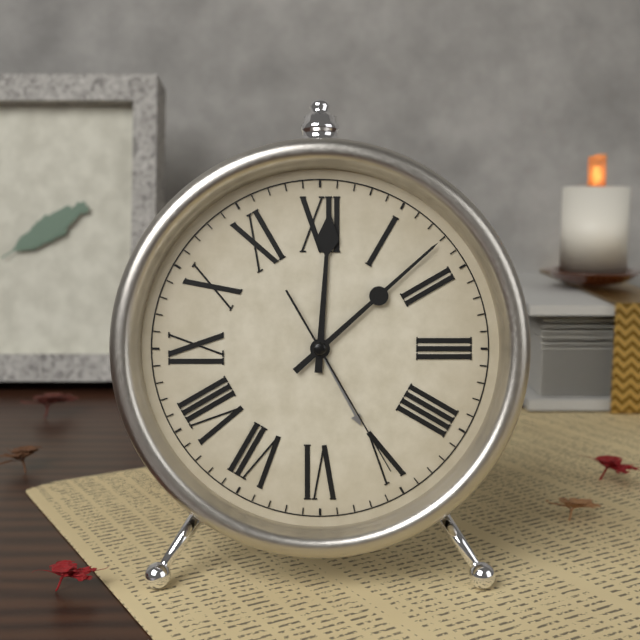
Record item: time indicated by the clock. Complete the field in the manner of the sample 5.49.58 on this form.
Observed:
12.08.25
